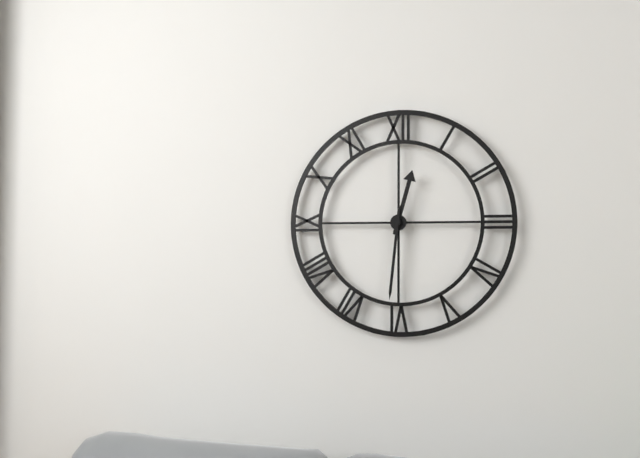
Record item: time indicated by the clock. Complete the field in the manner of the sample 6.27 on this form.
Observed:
12.31
